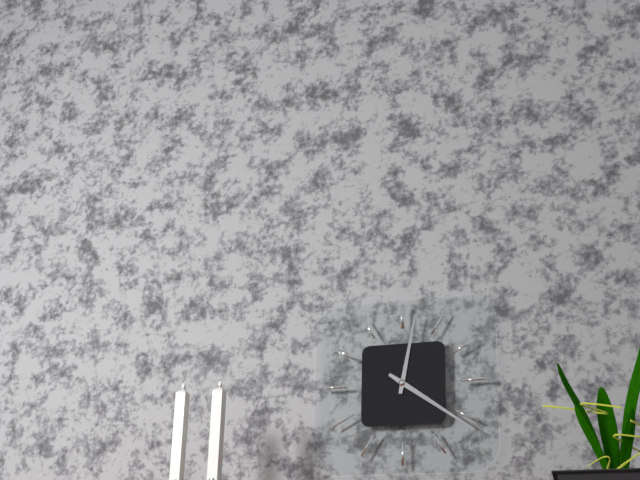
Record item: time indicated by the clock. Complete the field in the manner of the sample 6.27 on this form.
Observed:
12.21
